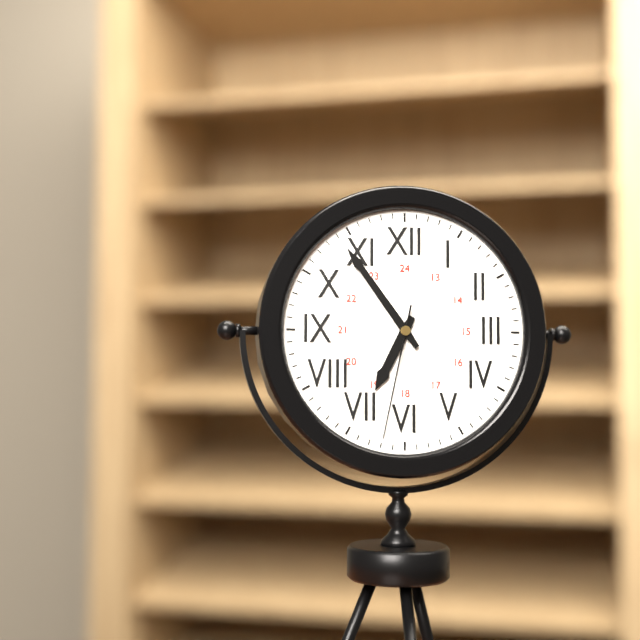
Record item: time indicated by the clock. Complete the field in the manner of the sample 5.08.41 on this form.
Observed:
6.54.32
